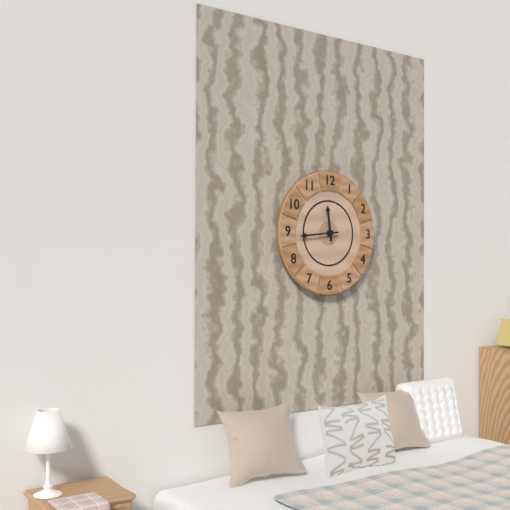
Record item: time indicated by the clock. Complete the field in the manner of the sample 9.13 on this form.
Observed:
11.44
